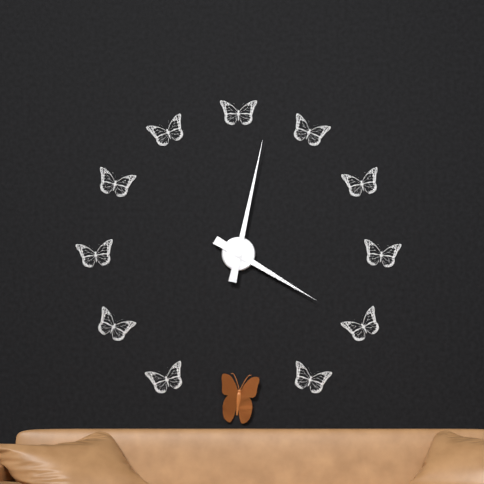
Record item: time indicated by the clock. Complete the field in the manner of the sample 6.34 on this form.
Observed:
4.02
